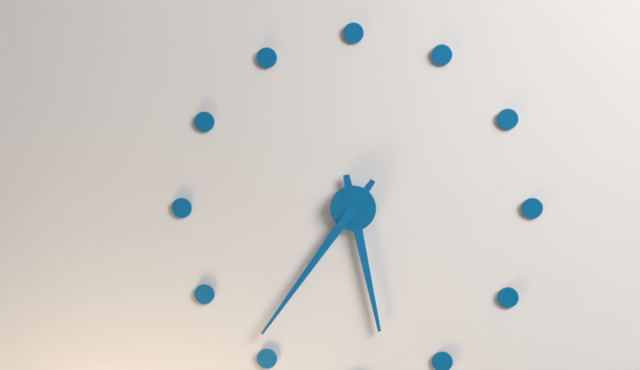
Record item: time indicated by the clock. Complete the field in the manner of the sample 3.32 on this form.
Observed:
5.36
